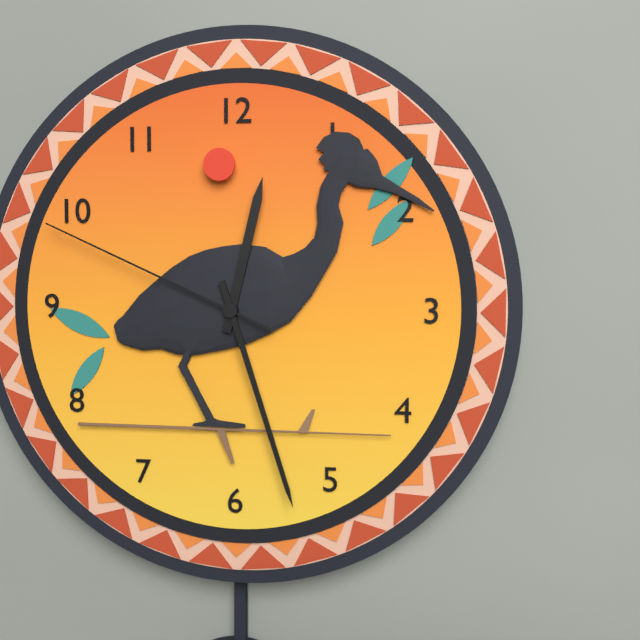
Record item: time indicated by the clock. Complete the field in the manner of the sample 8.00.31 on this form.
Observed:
12.27.49
